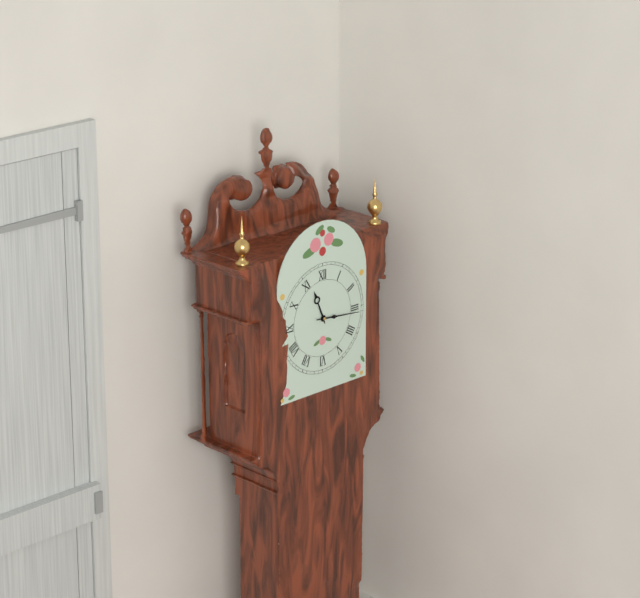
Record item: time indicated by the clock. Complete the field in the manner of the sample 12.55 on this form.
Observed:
11.16
